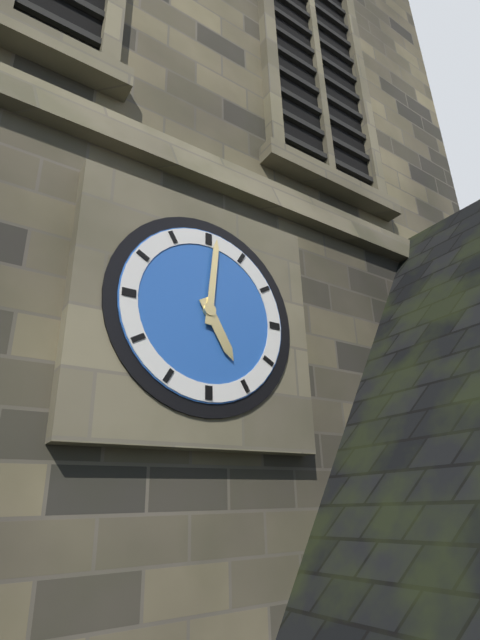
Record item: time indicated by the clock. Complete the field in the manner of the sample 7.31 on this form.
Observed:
5.01
